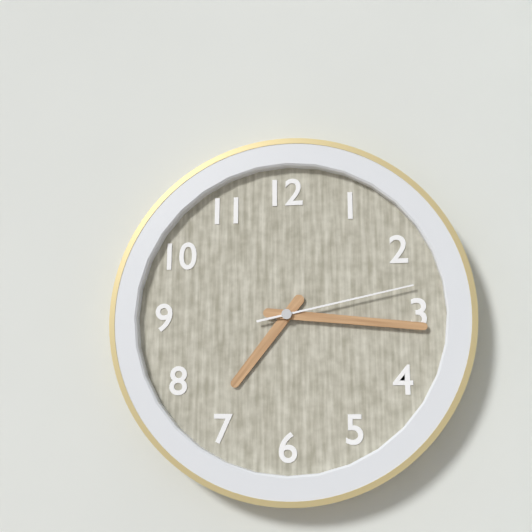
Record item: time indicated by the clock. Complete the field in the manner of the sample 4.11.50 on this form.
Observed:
7.16.13
